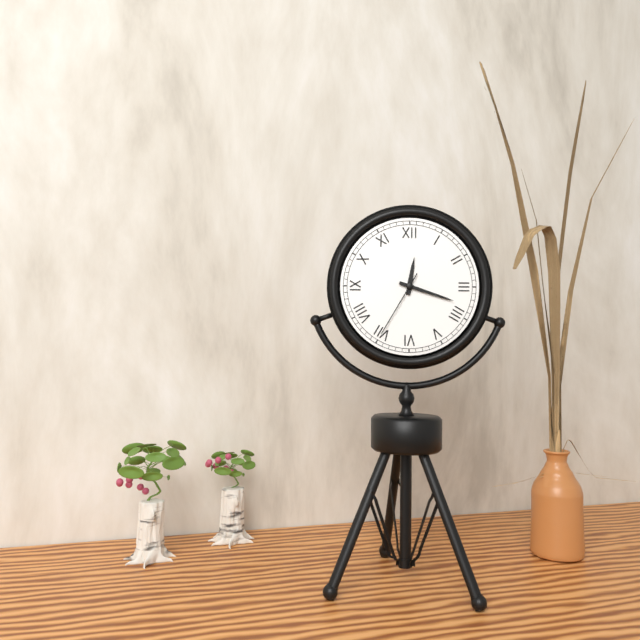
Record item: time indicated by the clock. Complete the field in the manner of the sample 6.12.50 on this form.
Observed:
12.18.35
